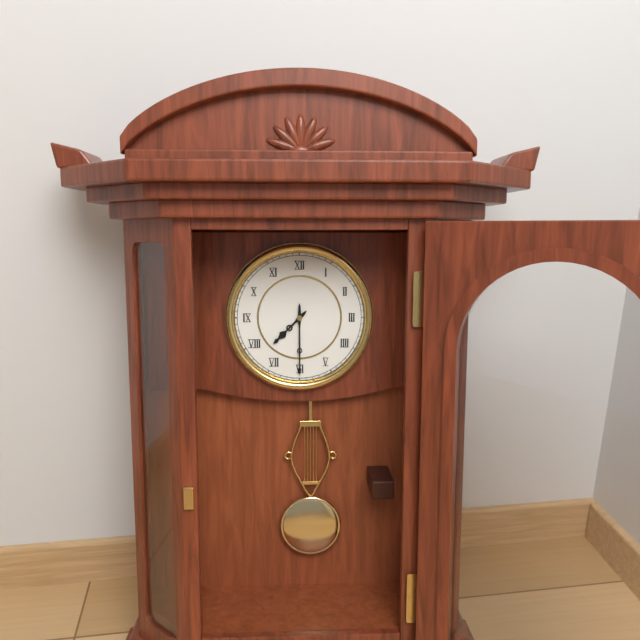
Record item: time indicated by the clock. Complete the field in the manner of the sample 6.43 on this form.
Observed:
7.30
